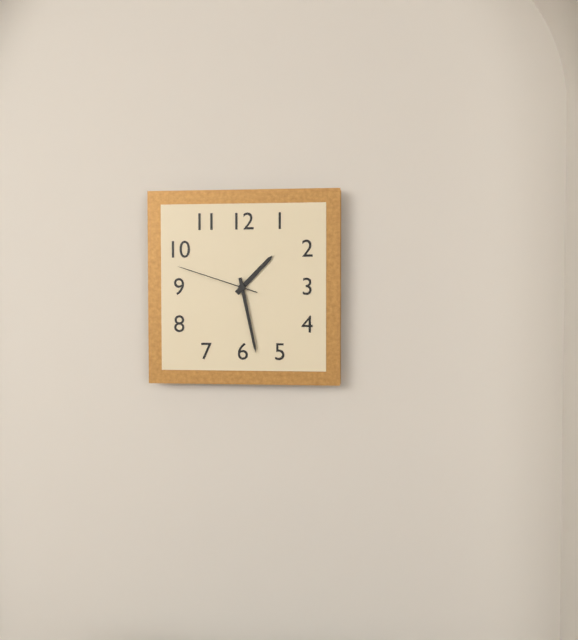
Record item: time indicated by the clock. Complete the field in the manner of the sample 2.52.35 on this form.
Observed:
1.28.48
